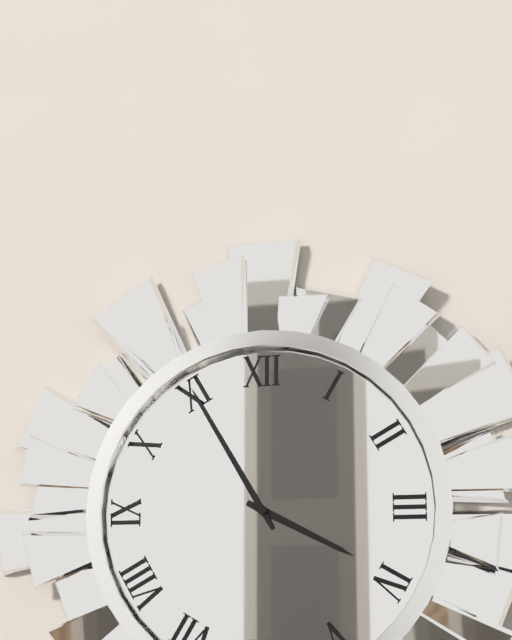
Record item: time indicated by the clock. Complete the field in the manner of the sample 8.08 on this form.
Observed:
3.55
